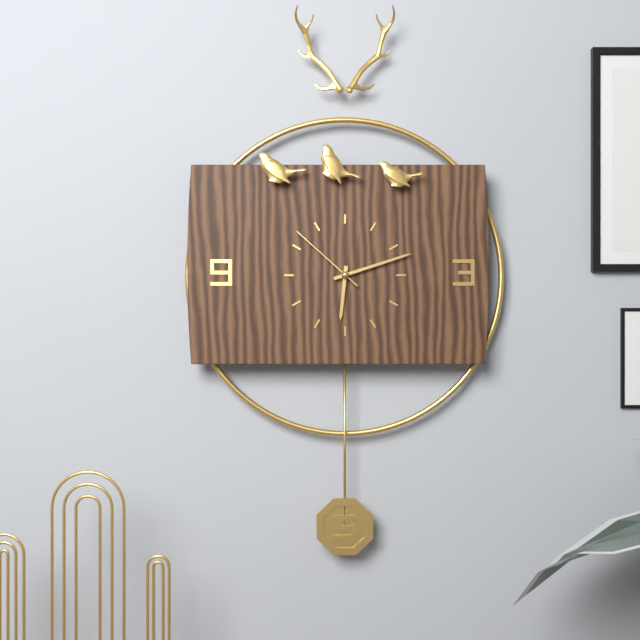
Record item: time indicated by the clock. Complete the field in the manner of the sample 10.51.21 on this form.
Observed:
6.12.52
